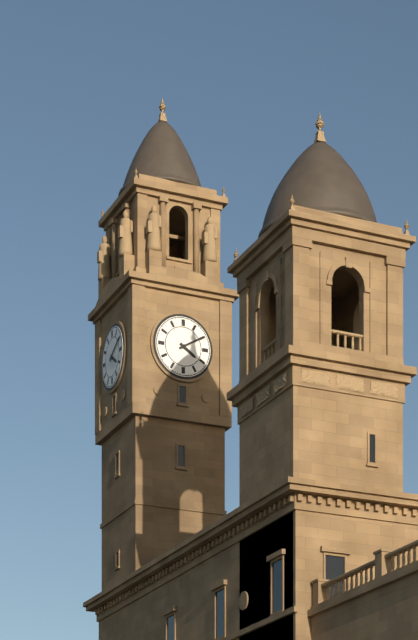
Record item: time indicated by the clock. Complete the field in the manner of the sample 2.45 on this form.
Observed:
4.10
